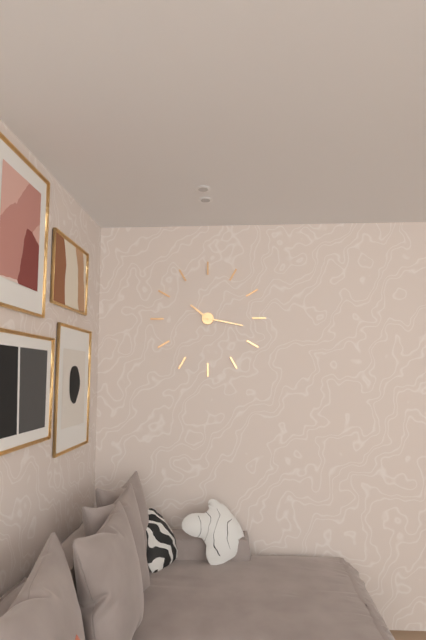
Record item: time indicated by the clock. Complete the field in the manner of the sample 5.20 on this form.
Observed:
10.17
